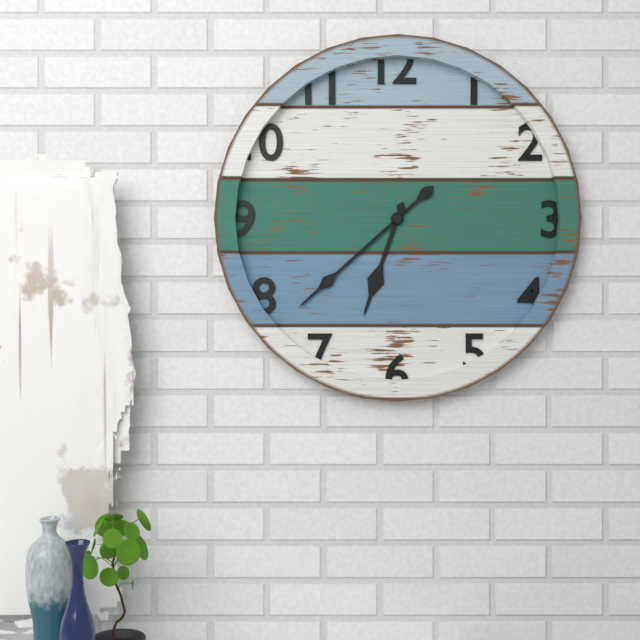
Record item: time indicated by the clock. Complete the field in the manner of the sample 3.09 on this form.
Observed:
6.38
